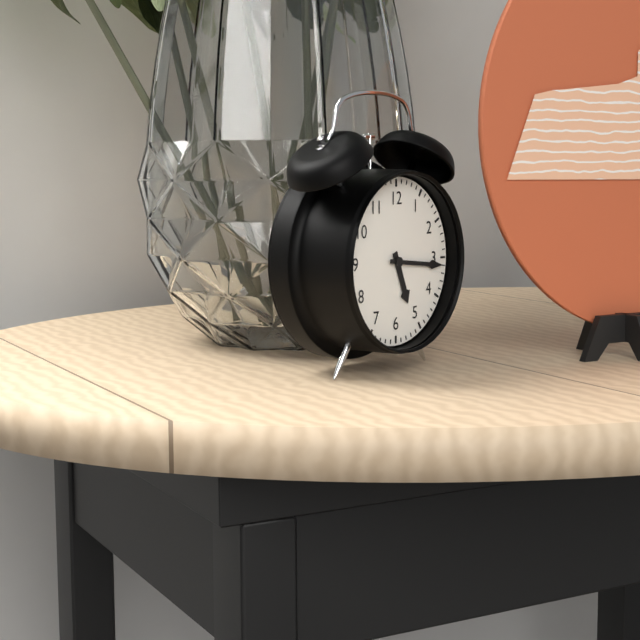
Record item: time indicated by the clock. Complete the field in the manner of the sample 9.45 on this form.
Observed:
5.16
